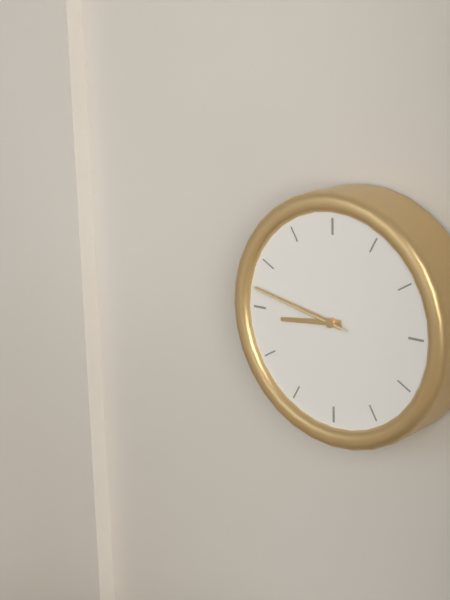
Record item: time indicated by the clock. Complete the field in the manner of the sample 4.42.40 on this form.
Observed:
8.47.47
